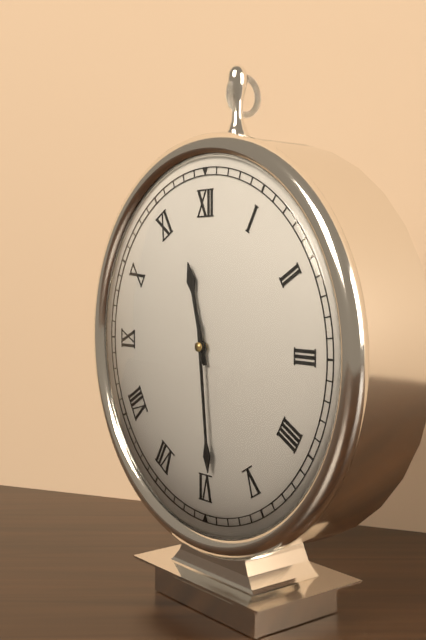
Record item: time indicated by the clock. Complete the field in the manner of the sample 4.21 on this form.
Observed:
11.29
